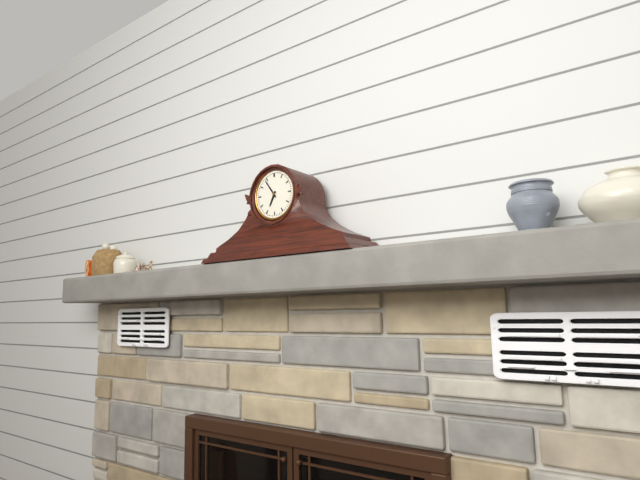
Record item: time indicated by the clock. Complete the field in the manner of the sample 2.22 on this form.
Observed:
6.54
